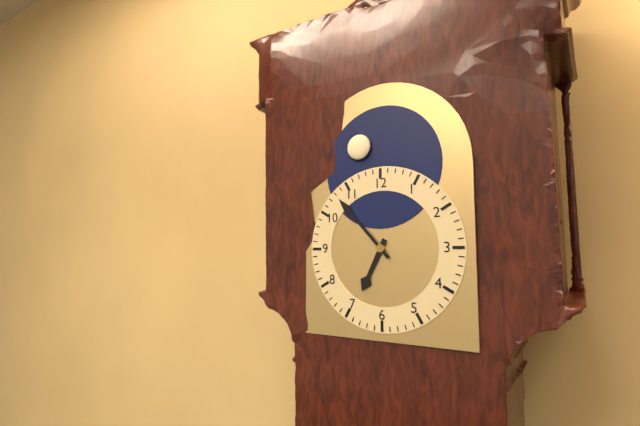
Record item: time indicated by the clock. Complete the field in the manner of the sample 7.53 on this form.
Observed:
6.53
